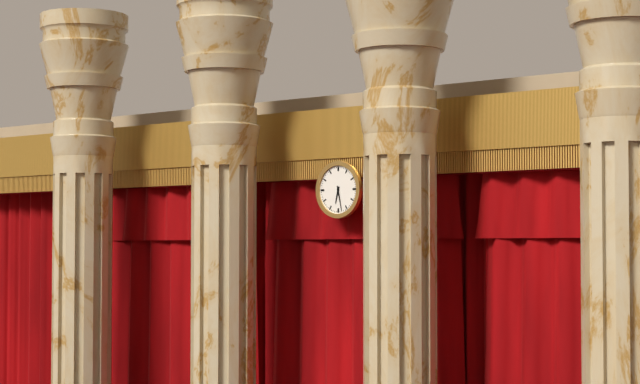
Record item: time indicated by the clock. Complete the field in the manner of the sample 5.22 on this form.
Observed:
6.28
